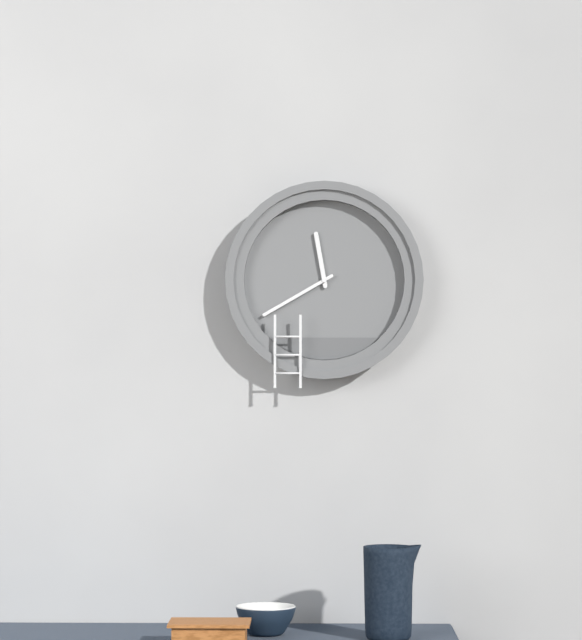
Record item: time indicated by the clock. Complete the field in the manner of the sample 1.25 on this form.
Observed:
11.40
